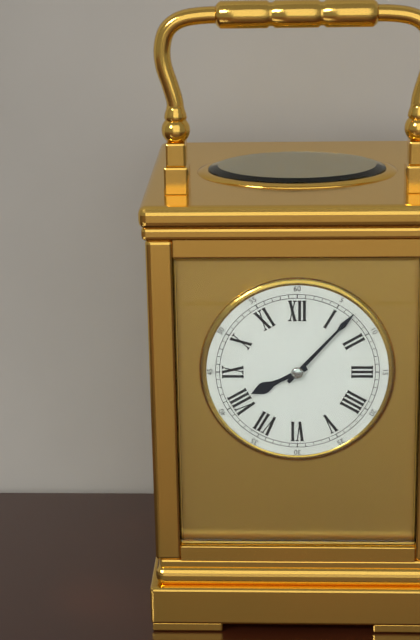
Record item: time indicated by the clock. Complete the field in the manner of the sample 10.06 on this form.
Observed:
8.07
